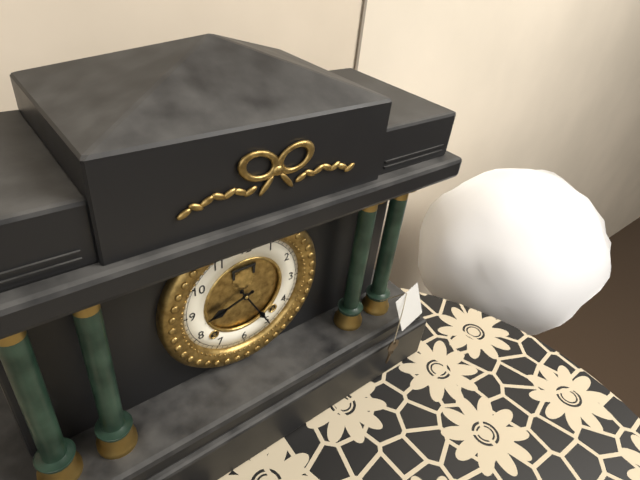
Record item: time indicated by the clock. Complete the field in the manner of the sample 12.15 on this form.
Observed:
8.25
